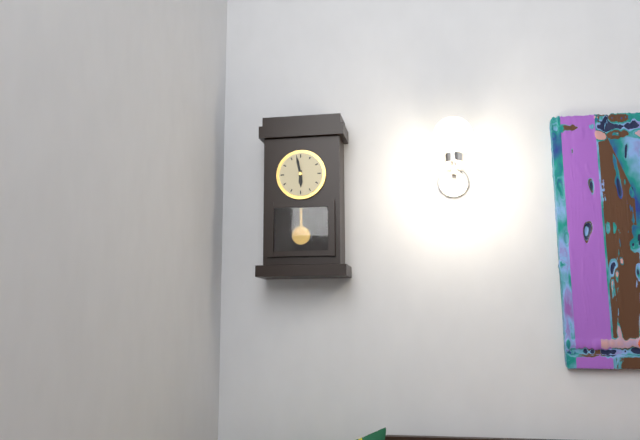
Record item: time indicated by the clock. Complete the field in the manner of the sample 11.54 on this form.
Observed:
5.58
